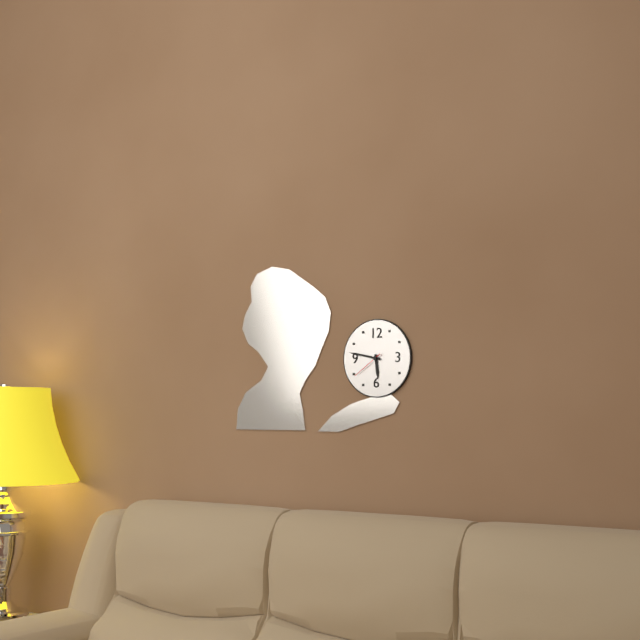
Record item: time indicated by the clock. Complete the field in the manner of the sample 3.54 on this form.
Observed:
5.47
